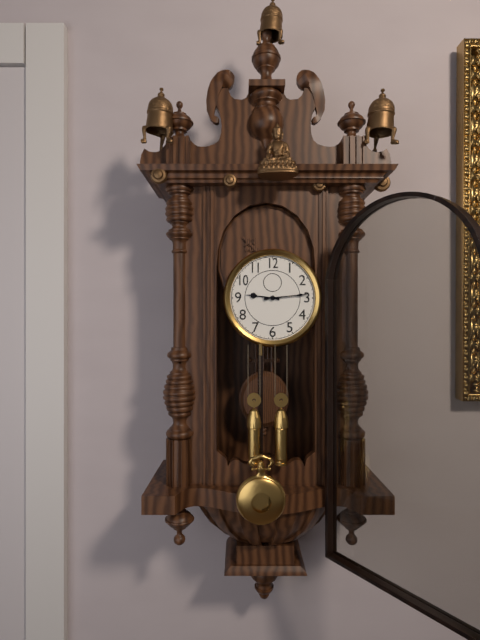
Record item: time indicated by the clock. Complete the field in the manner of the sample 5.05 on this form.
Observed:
9.14
